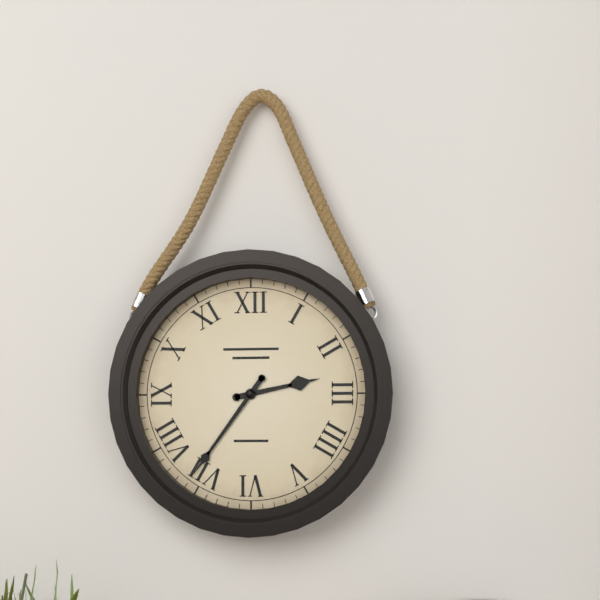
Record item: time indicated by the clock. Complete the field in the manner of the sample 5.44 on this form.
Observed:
2.36
